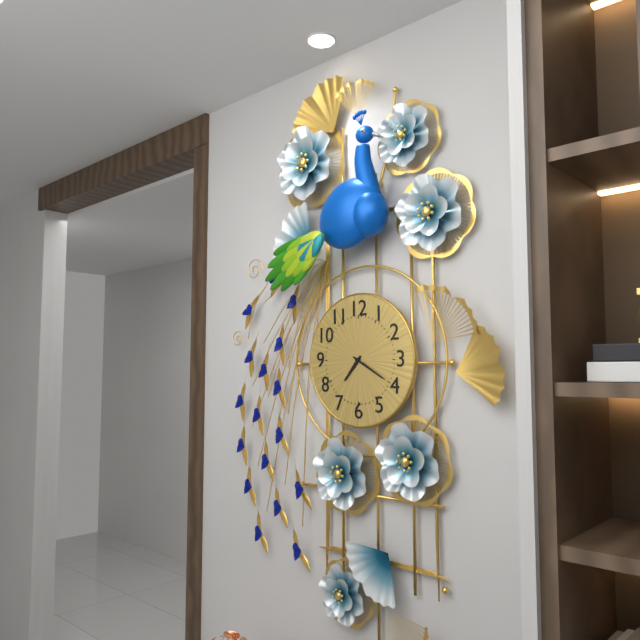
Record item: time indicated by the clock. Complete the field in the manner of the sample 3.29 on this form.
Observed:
7.20
